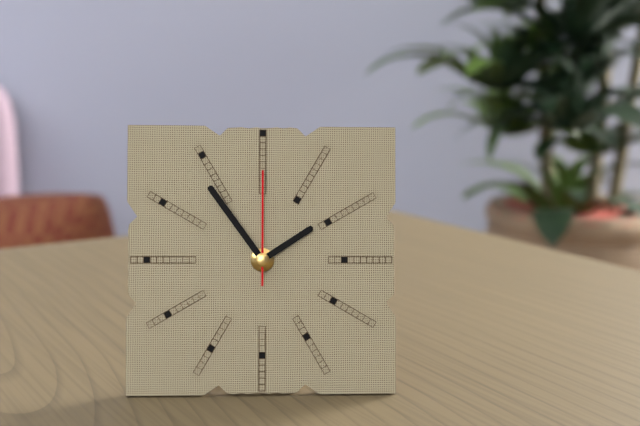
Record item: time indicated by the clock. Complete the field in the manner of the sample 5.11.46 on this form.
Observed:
1.54.00
